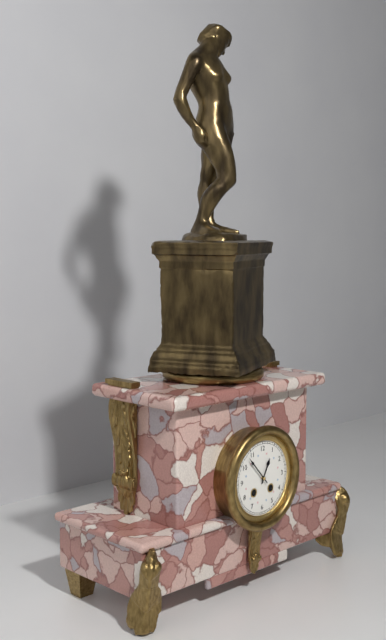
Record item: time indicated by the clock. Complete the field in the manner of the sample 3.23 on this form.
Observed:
12.53
